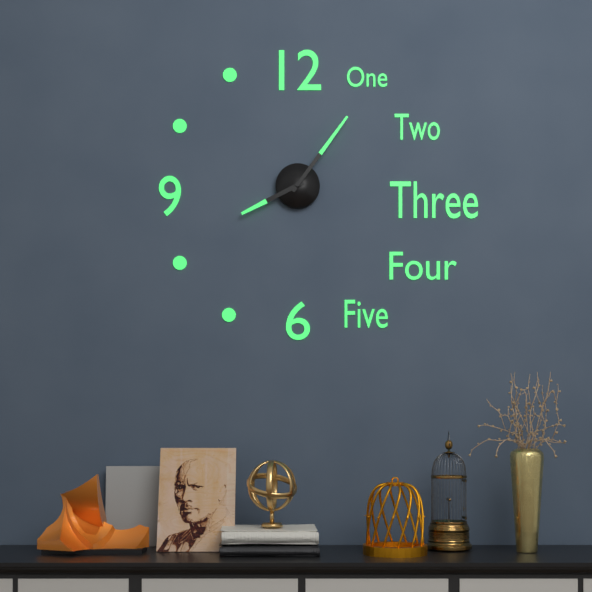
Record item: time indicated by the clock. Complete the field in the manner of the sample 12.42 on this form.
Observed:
8.06
